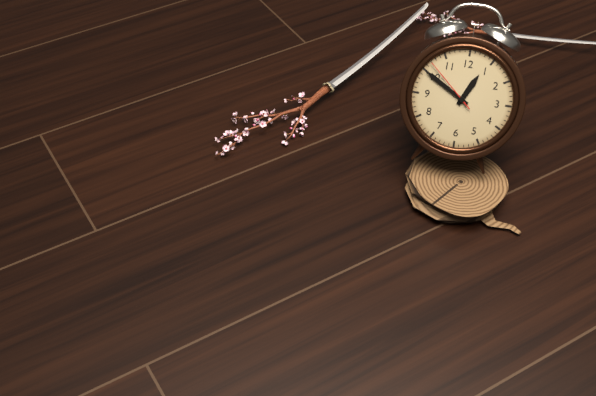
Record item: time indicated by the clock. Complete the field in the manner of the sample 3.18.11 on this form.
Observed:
12.50.52
